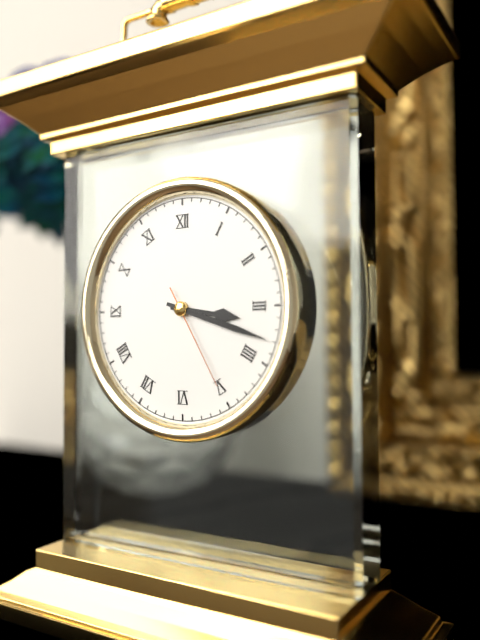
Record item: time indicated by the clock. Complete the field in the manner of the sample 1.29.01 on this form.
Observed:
3.18.25
